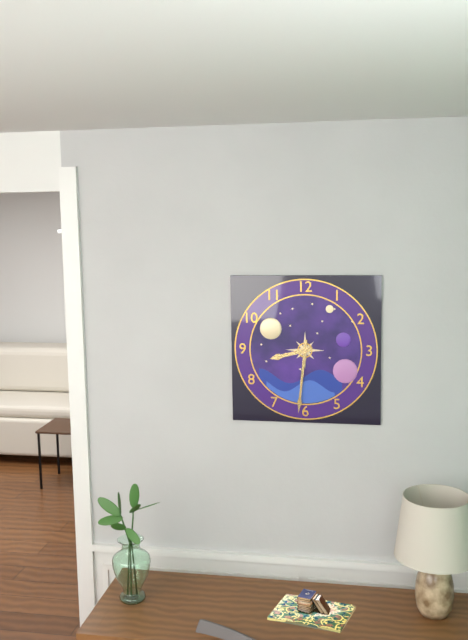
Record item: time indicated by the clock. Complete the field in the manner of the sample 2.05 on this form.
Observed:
8.31
